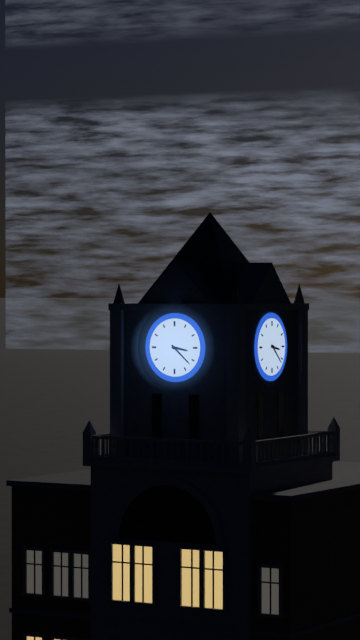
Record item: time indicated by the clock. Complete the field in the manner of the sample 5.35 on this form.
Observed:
3.22
